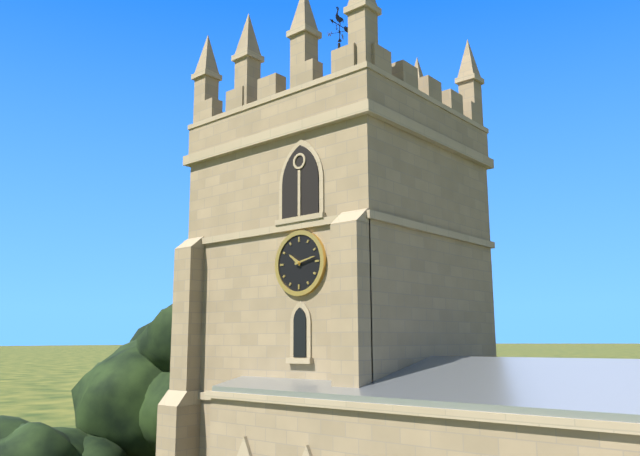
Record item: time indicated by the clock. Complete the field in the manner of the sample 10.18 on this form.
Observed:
10.13
